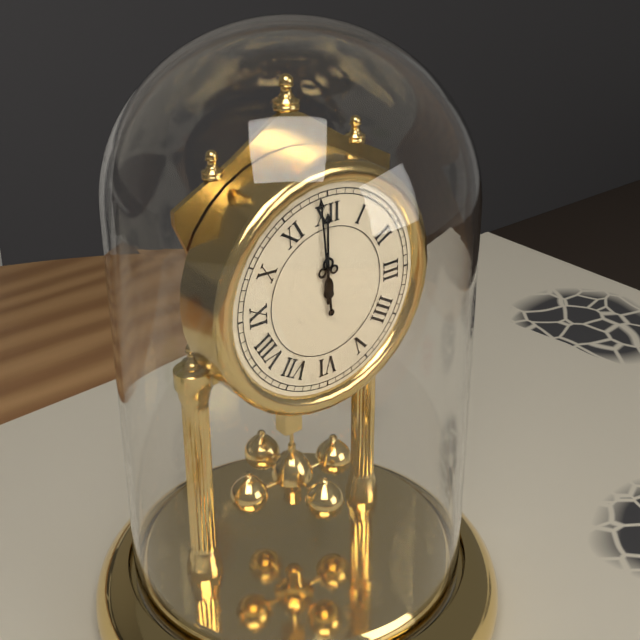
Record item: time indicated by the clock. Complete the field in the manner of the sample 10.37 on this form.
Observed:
11.59
